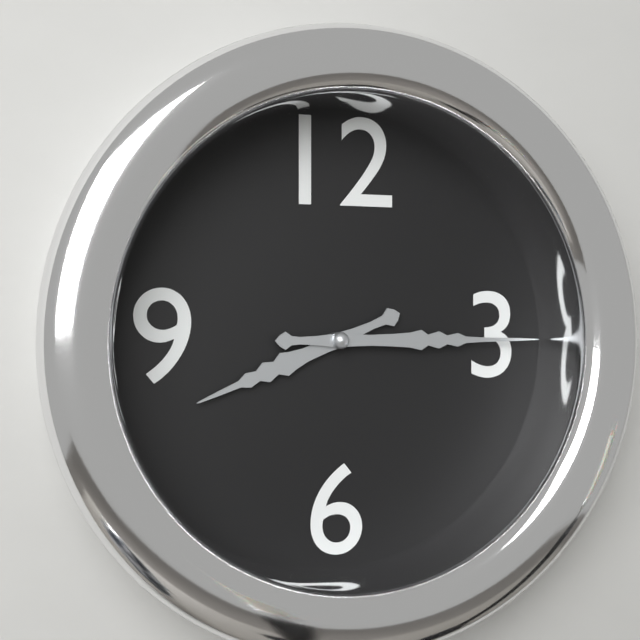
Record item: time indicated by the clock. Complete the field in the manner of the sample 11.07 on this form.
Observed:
8.15
